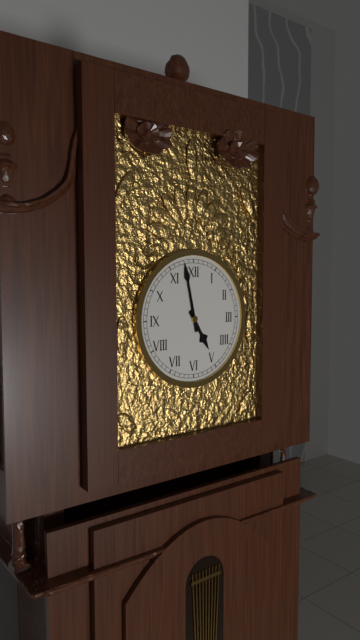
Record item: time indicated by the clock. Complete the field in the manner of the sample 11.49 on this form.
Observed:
4.58
